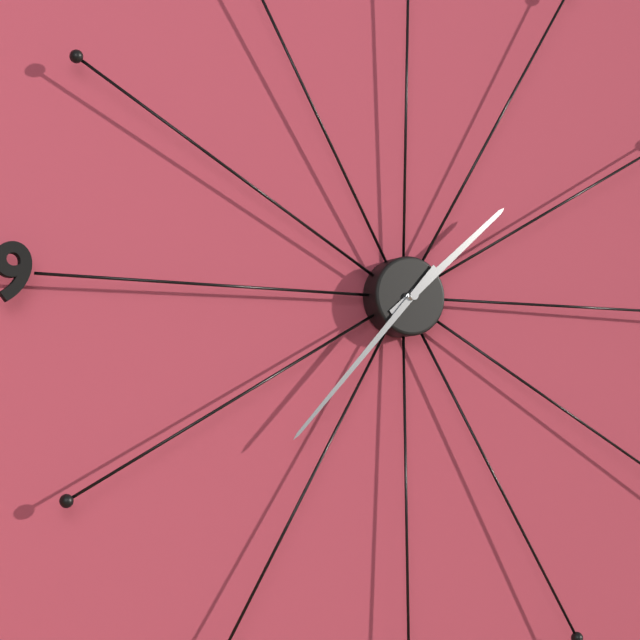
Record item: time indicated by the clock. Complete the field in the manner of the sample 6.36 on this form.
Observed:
1.37
